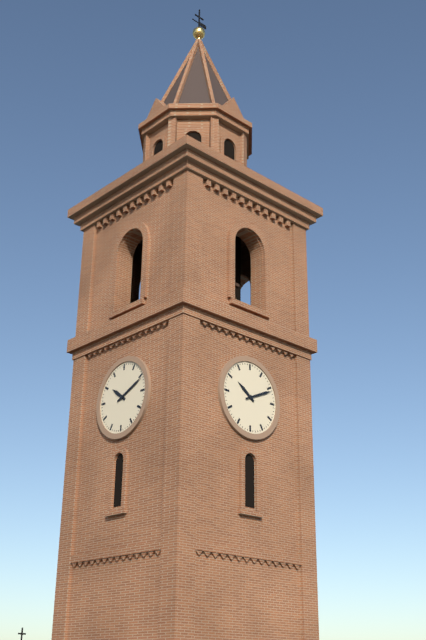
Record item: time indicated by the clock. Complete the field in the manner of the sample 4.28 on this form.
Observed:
10.11
